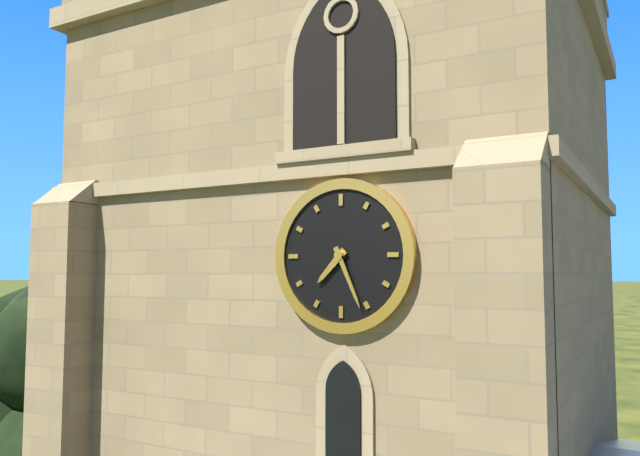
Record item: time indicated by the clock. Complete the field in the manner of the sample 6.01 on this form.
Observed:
7.26
